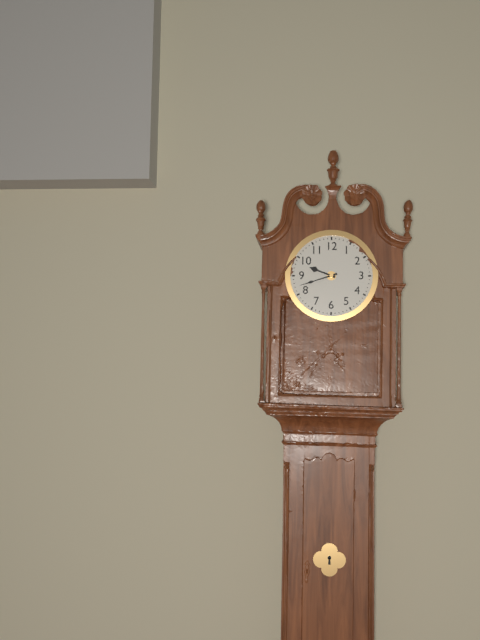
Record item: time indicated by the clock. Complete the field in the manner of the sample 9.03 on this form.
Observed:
9.42
